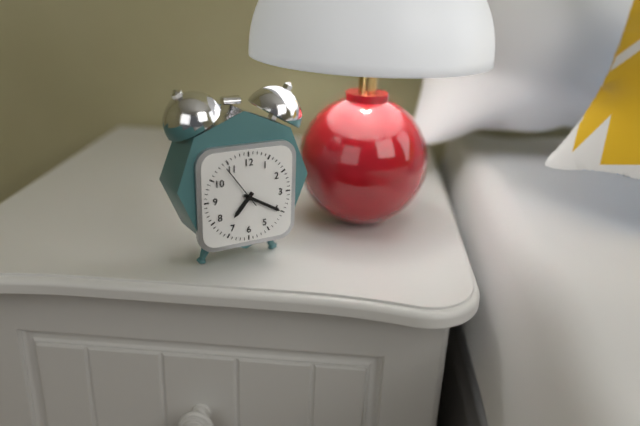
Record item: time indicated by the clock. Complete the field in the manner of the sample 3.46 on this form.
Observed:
7.20
